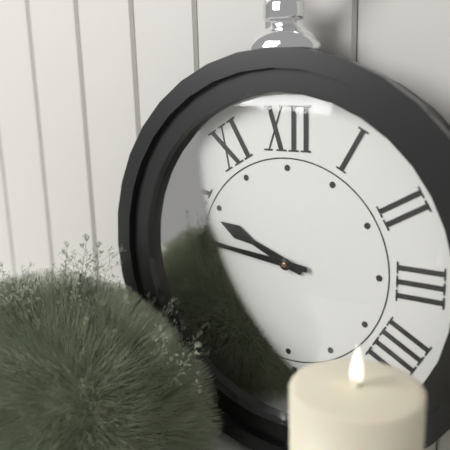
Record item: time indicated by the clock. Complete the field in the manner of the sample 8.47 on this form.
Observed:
9.46
